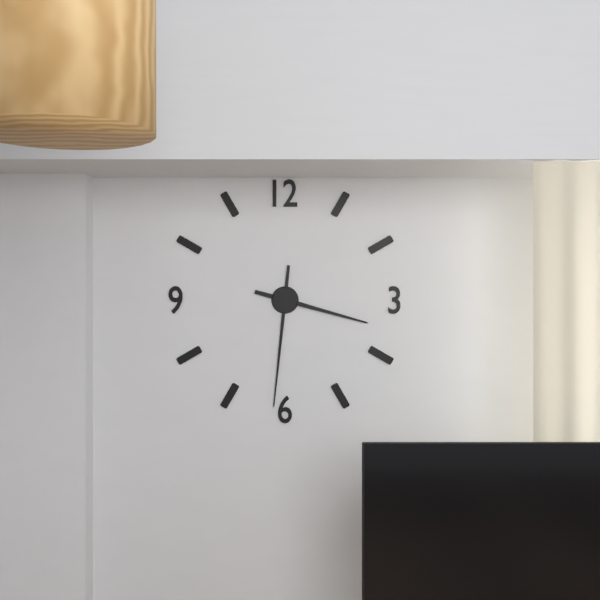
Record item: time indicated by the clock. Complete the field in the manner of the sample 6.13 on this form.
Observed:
3.31
